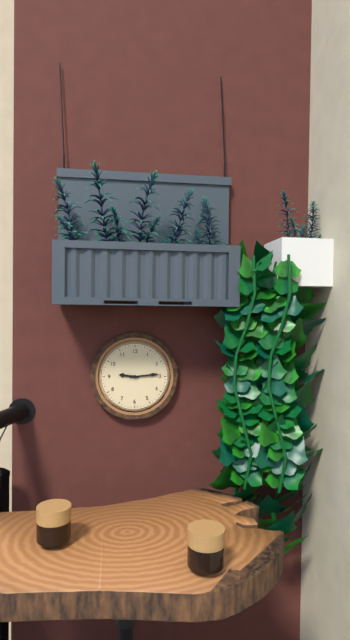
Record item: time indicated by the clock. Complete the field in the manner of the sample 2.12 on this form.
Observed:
9.14
